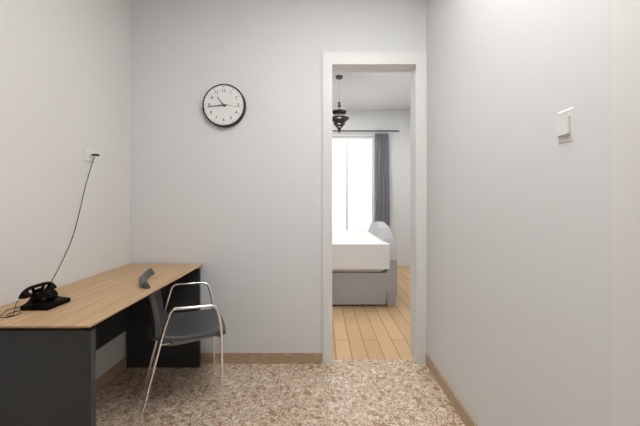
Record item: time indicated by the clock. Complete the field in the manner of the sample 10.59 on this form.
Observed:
10.44
